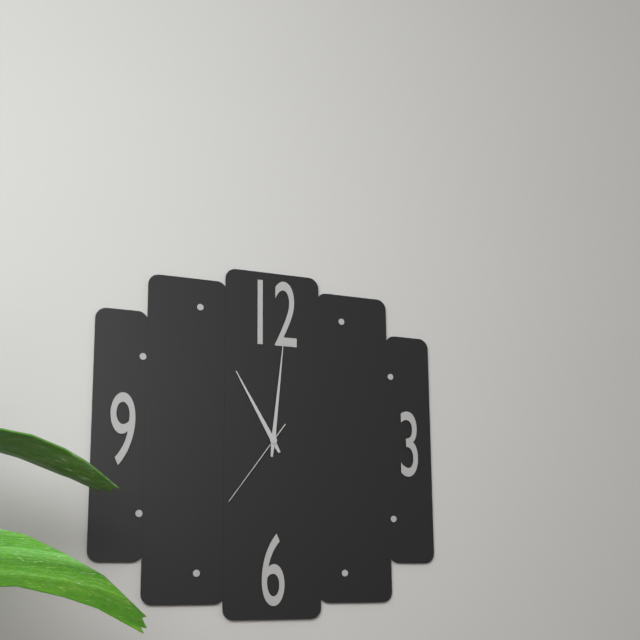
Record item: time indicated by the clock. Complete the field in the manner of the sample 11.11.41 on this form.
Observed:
11.01.36
